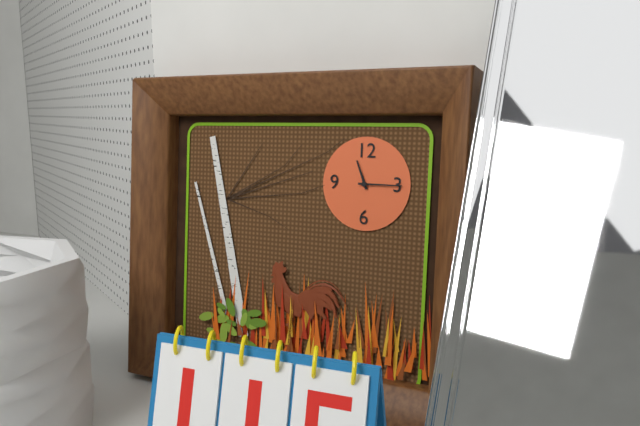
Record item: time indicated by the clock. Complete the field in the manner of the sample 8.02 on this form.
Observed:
11.15
